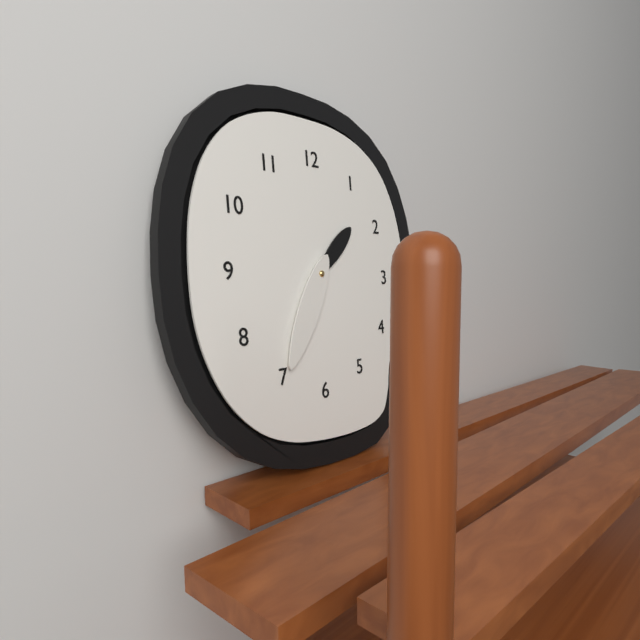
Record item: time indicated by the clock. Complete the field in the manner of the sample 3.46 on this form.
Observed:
1.35
